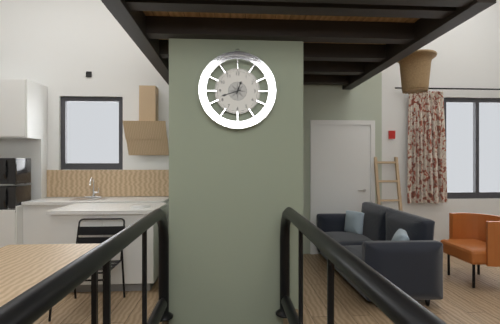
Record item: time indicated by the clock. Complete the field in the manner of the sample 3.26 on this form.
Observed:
12.42
